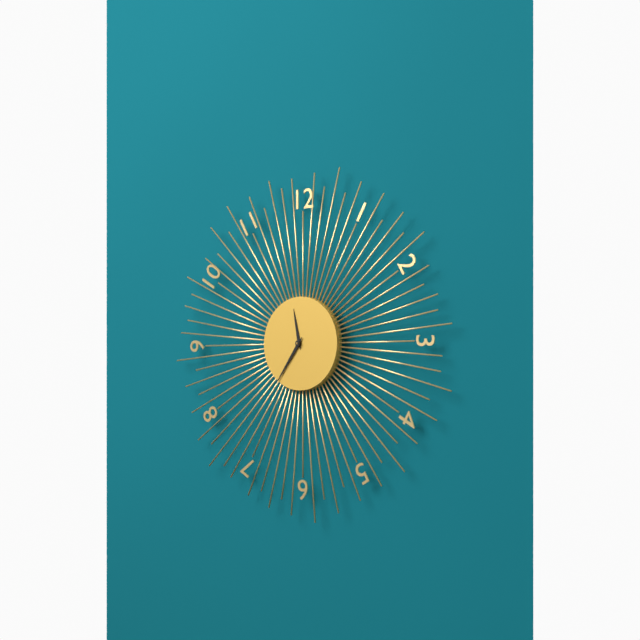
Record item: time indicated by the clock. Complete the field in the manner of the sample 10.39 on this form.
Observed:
11.36
